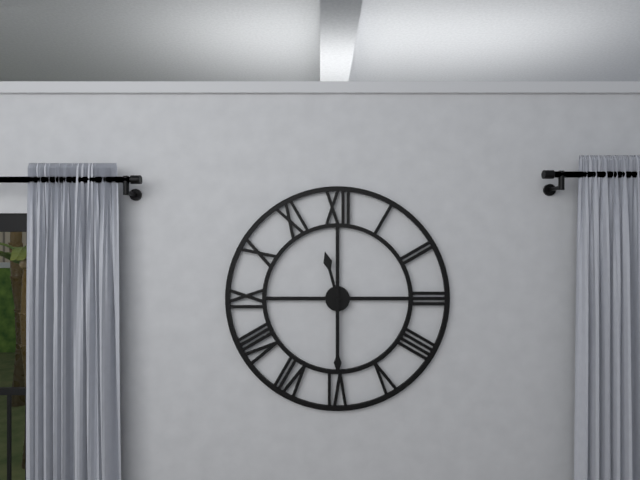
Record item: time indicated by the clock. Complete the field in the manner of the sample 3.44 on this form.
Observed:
11.30
